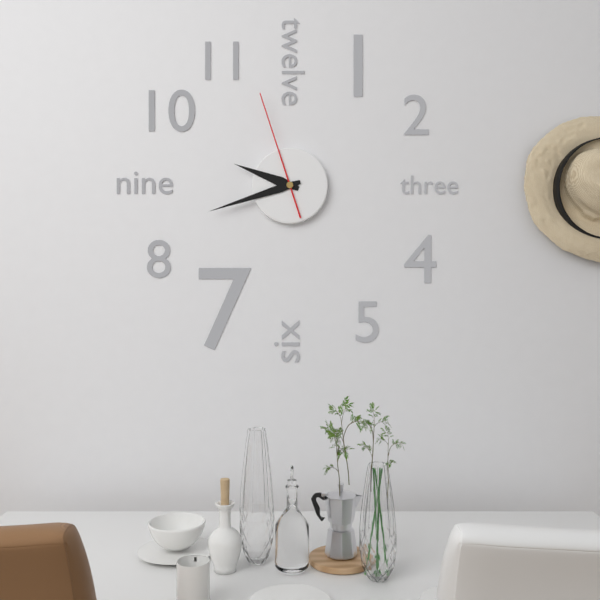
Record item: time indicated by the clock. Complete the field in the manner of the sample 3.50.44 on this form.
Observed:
9.42.57
